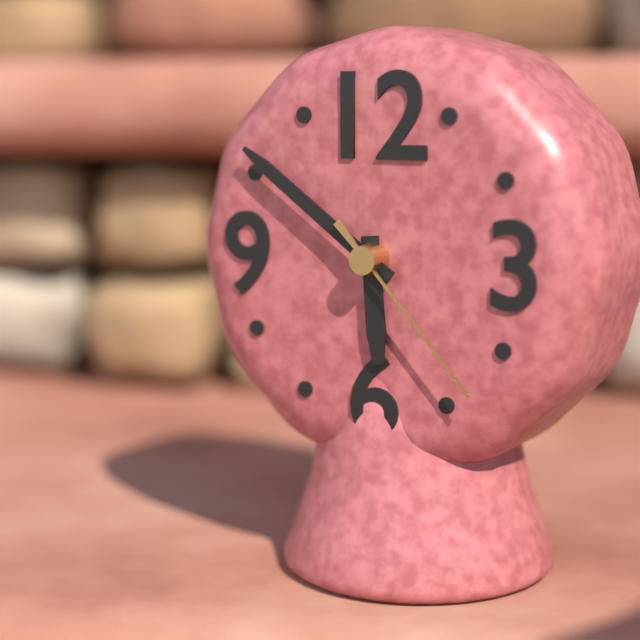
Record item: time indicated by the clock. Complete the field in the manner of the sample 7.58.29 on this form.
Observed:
5.51.23
